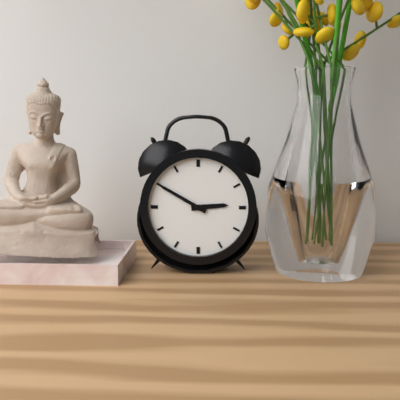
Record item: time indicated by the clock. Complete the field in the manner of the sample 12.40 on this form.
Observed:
2.50
